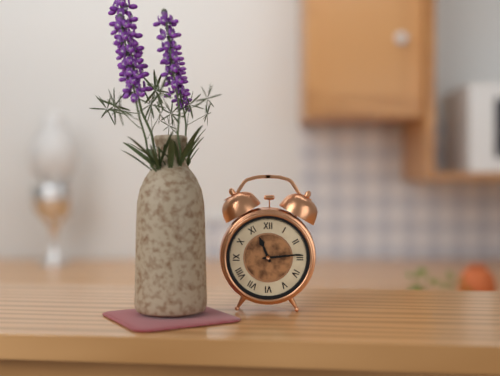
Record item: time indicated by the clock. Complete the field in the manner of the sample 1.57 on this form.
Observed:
11.14
